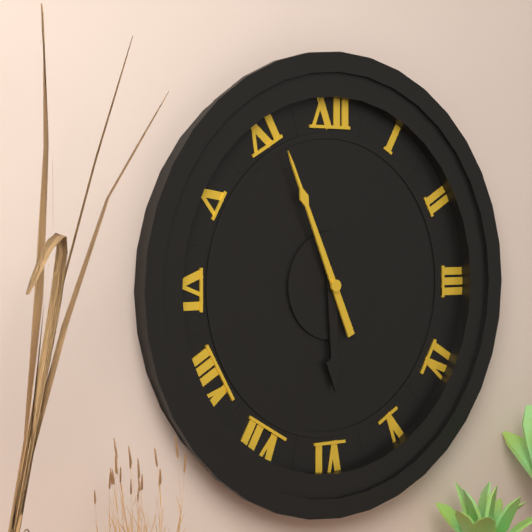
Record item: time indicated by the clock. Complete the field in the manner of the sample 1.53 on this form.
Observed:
5.56
